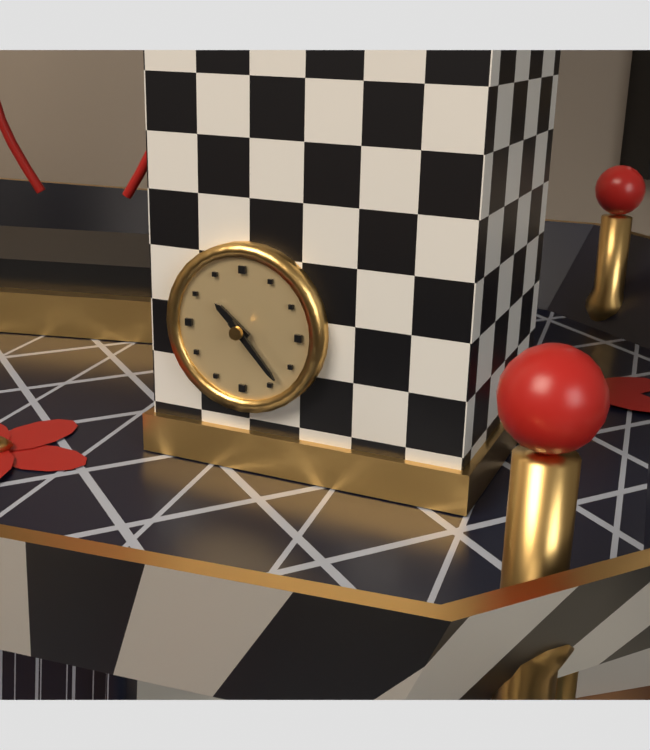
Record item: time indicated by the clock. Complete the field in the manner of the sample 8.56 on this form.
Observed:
10.23
